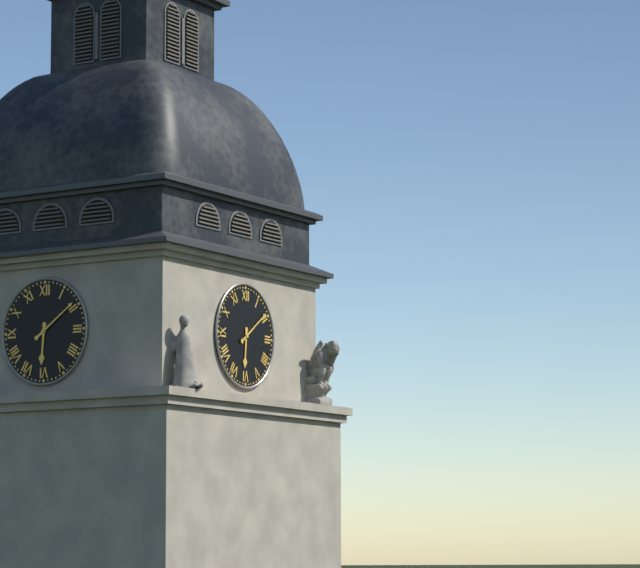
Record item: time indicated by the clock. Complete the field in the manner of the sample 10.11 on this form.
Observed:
6.09
